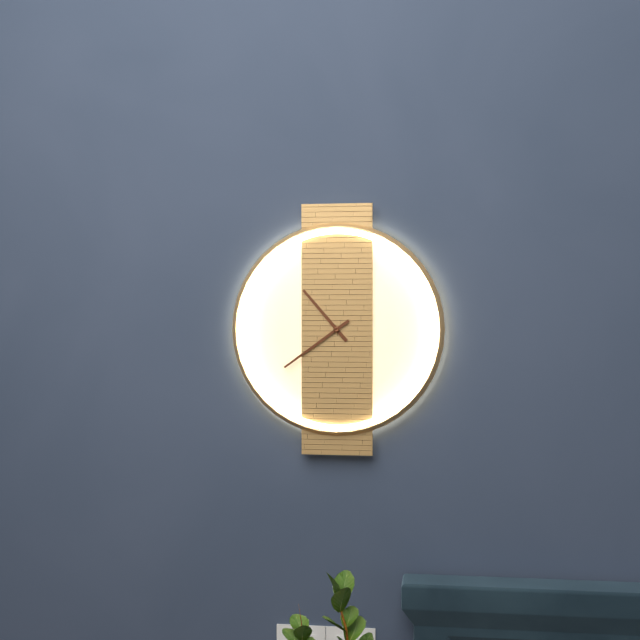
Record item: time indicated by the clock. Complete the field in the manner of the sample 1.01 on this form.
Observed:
10.39
